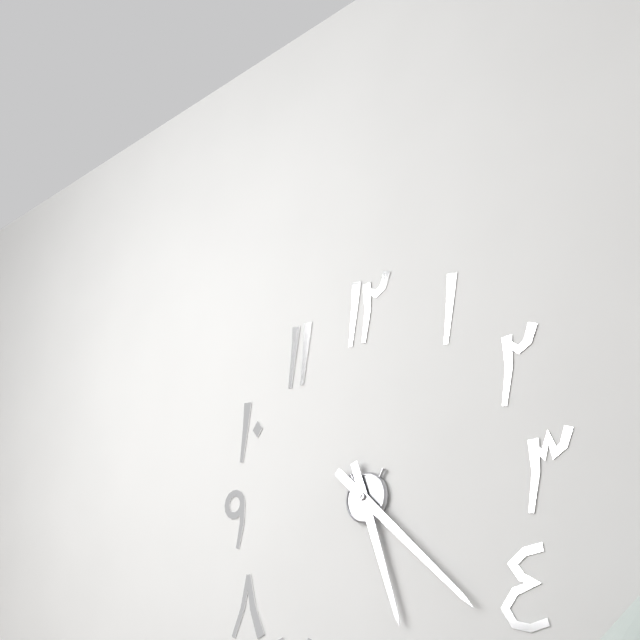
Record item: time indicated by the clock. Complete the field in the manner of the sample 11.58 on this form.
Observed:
5.22
